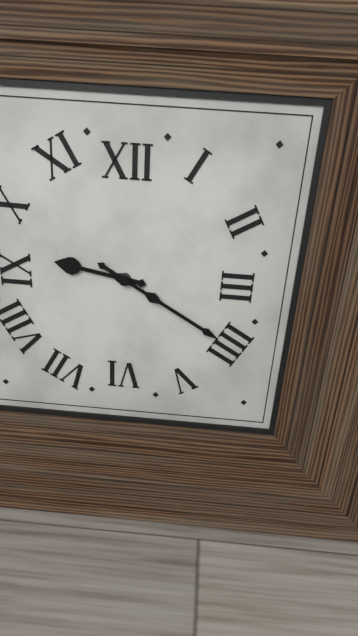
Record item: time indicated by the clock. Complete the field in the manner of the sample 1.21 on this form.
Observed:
9.20
